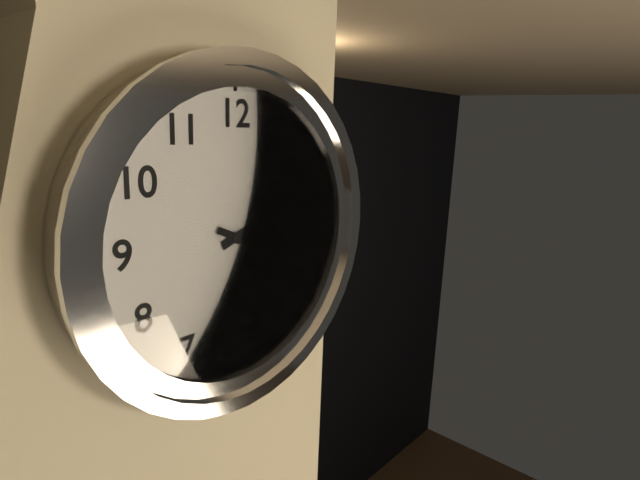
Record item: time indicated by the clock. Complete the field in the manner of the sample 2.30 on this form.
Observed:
2.19
